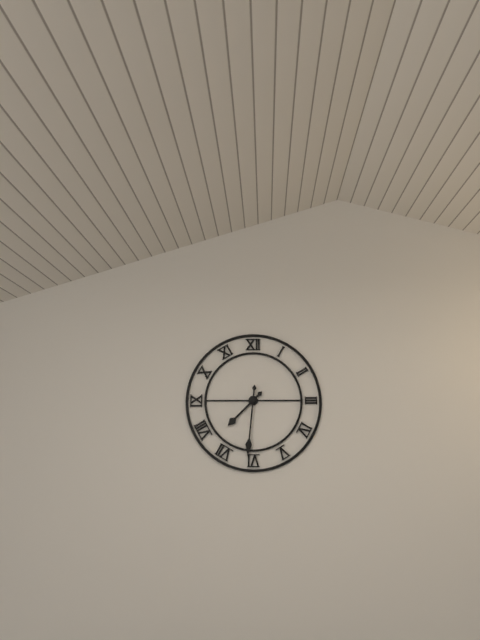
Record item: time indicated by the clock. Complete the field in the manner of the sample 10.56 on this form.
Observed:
7.31
